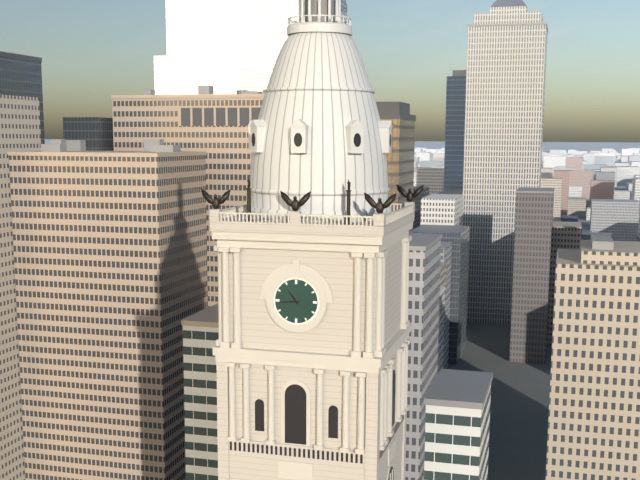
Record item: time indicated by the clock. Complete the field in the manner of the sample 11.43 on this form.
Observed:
10.44
